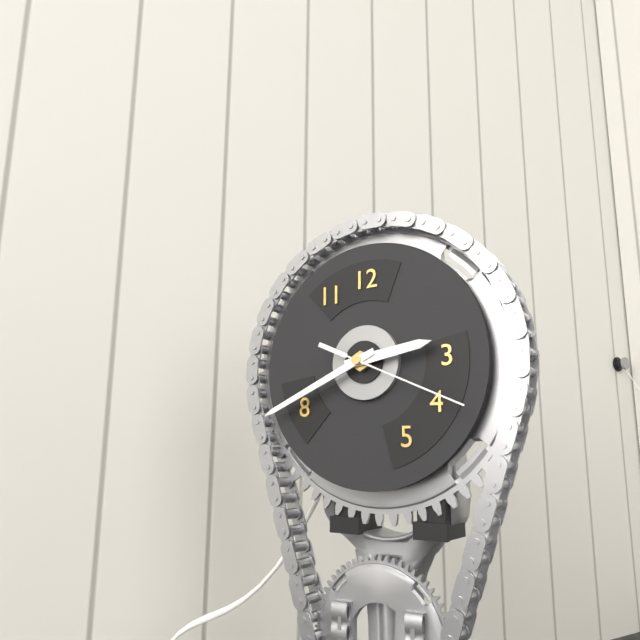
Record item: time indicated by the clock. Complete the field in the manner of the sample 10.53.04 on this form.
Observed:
2.41.19
